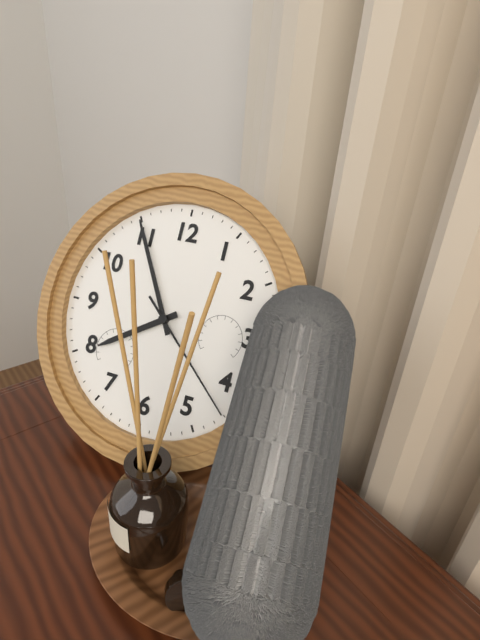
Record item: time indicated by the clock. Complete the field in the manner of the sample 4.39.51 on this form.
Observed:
7.55.22
